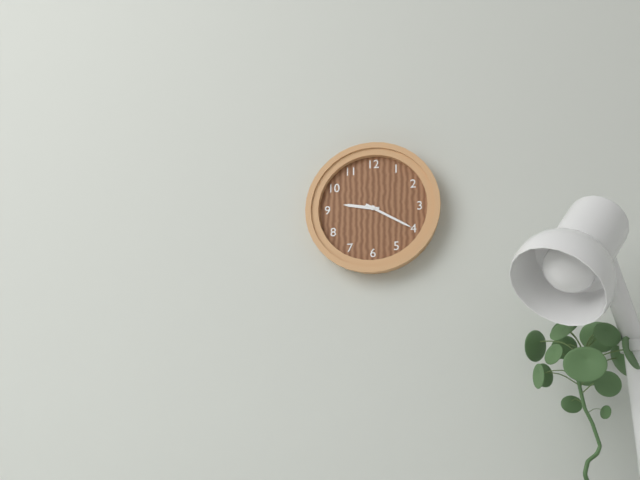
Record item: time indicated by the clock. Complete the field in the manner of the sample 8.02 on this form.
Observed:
9.20
